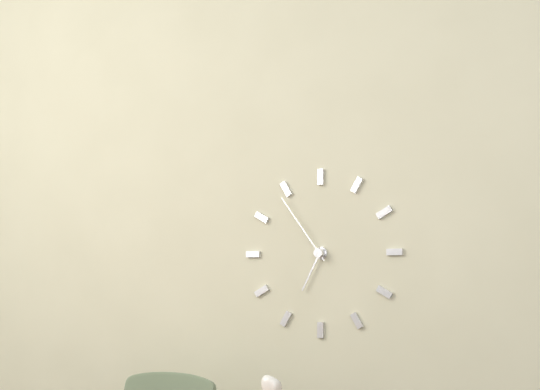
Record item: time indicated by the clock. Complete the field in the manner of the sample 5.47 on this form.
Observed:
6.54
